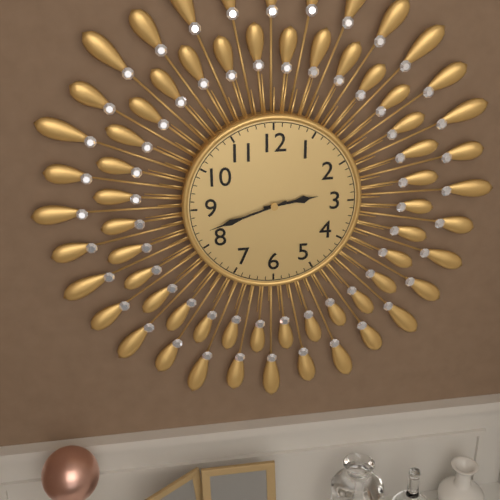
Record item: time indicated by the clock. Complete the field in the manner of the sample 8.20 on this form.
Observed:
2.42
